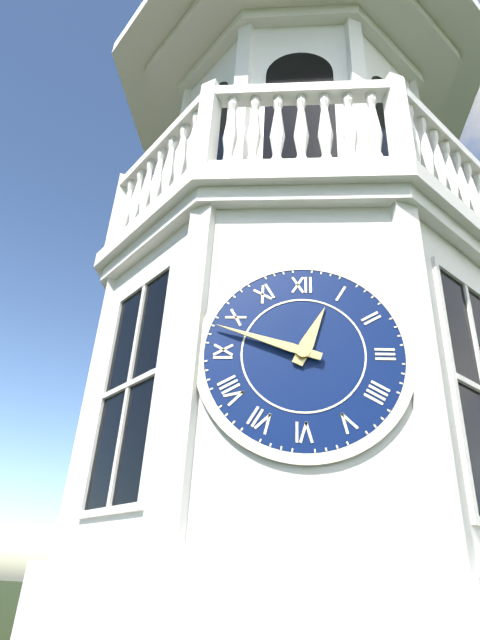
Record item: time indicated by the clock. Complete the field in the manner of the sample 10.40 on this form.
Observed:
12.48
